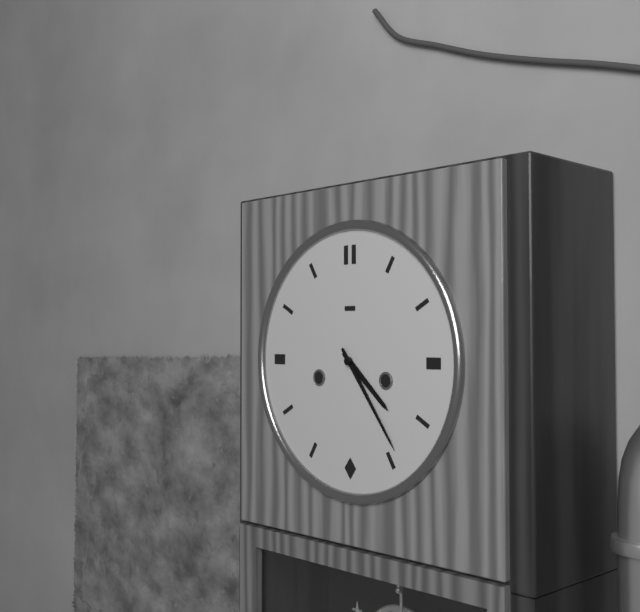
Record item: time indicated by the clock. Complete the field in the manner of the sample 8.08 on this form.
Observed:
4.24
